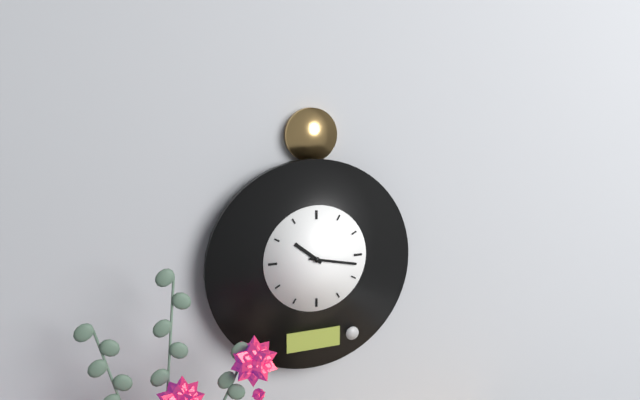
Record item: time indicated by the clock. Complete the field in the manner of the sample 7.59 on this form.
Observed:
10.17
